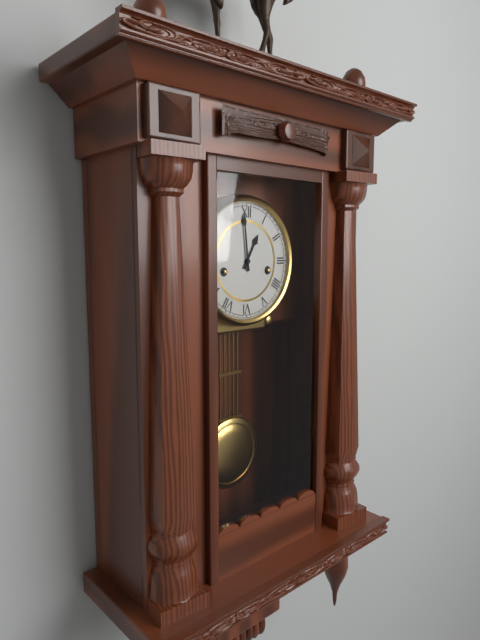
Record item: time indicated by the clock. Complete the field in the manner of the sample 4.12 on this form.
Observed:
12.59
